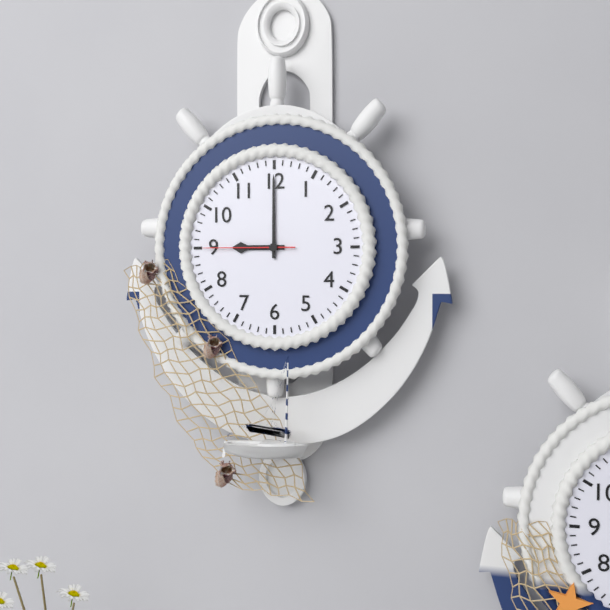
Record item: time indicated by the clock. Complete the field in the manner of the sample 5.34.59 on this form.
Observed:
9.00.45
